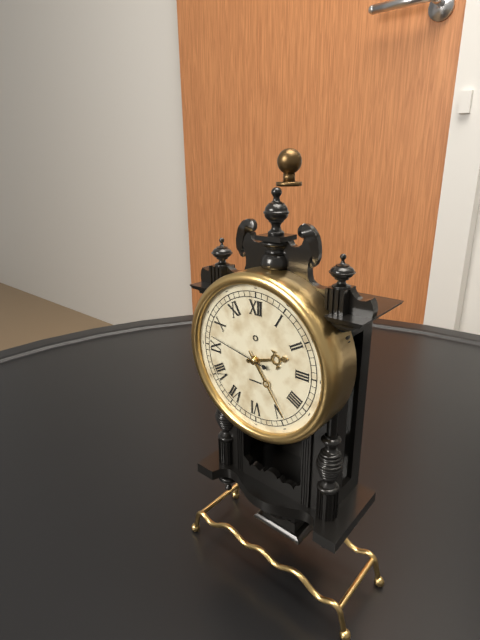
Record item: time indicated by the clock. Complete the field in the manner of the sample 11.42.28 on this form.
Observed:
2.24.47
